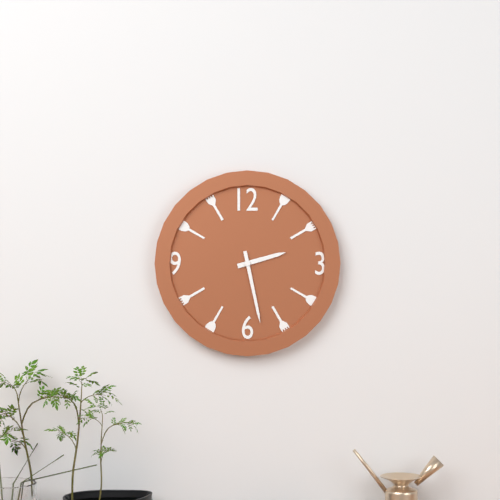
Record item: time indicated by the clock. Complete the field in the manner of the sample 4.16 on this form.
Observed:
2.28
